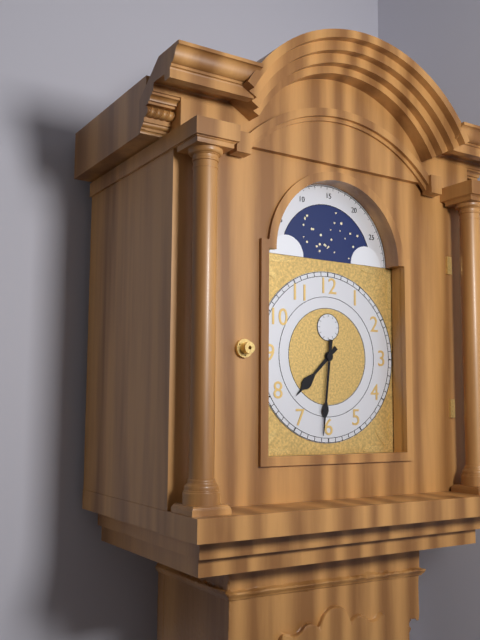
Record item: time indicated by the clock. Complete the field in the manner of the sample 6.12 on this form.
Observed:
7.31
